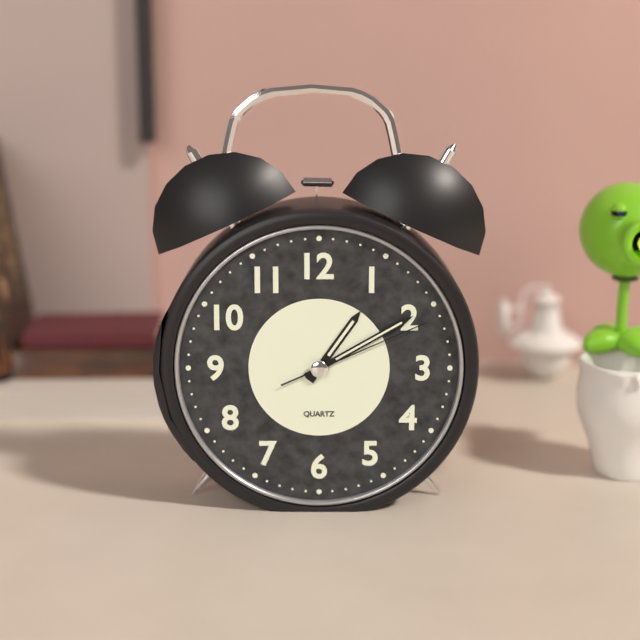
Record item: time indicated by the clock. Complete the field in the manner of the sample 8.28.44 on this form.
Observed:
1.10.11
